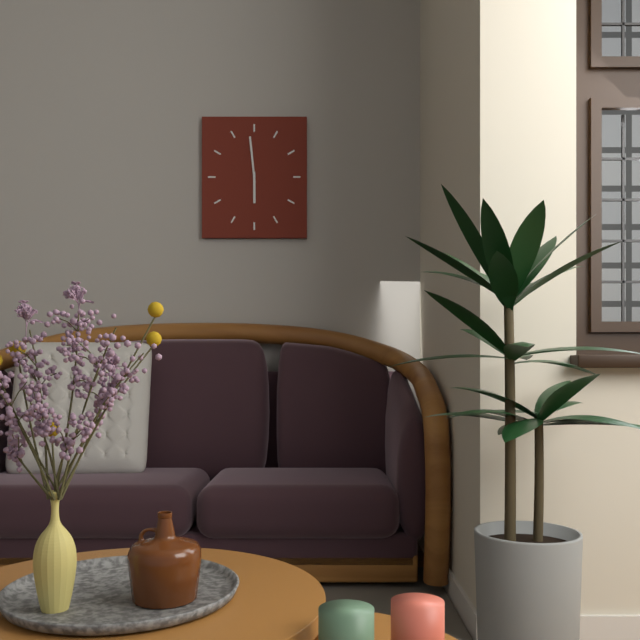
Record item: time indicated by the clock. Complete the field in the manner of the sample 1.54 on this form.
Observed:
5.59
